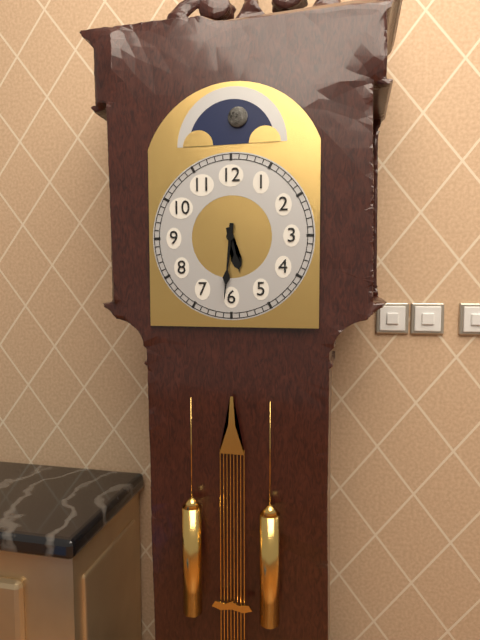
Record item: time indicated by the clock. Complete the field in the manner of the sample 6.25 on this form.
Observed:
5.31
